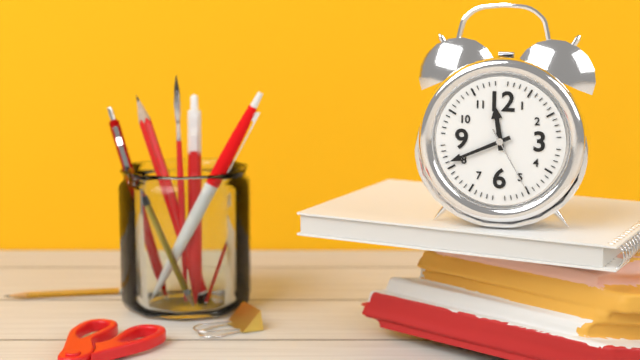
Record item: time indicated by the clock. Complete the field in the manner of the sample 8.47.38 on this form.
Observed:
11.41.25
